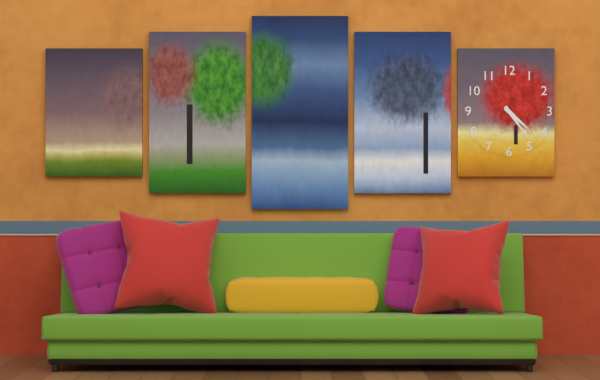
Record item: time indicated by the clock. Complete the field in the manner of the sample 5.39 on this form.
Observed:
4.24
